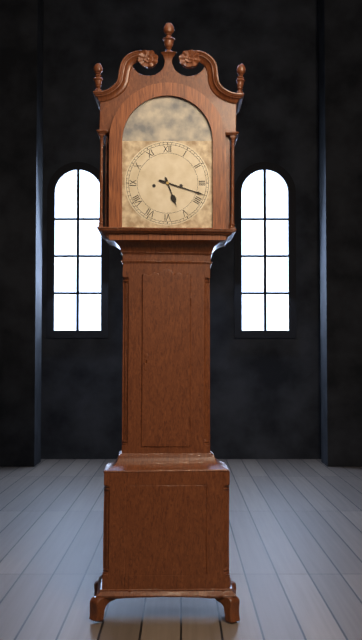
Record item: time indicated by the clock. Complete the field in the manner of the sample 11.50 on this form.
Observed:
5.18
